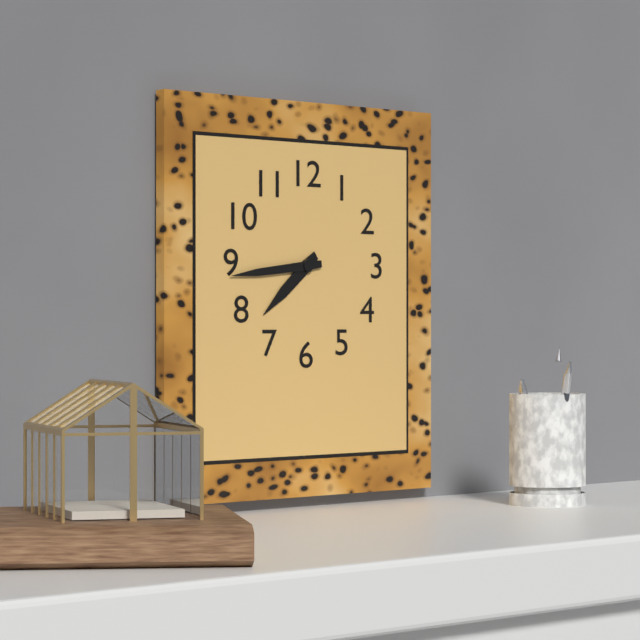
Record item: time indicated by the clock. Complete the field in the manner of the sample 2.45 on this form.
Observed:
7.44
